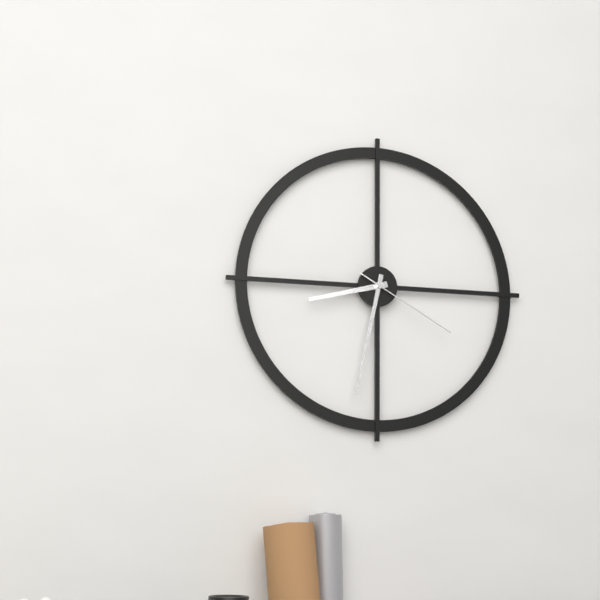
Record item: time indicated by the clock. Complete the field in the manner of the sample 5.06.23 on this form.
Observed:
8.32.20
